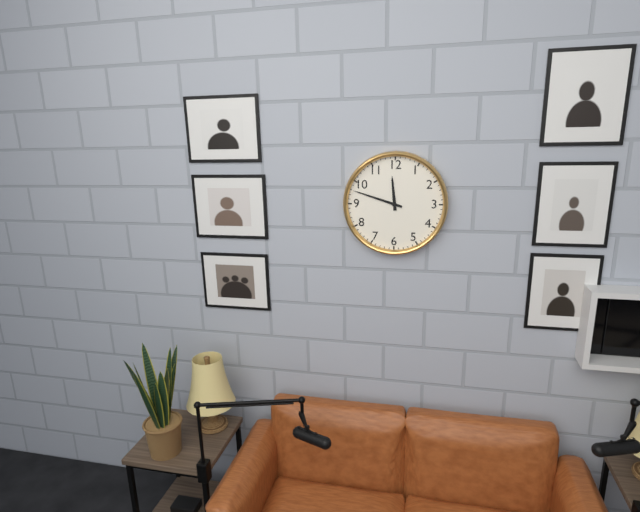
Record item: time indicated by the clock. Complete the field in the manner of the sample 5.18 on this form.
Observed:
11.48
